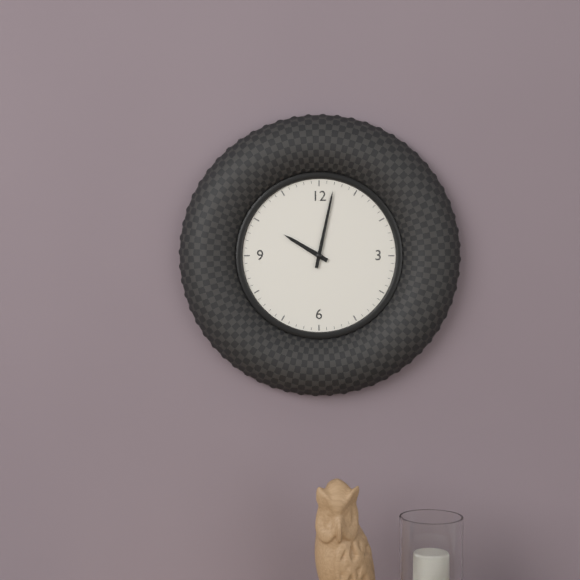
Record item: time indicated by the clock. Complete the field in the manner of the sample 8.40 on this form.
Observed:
10.02
